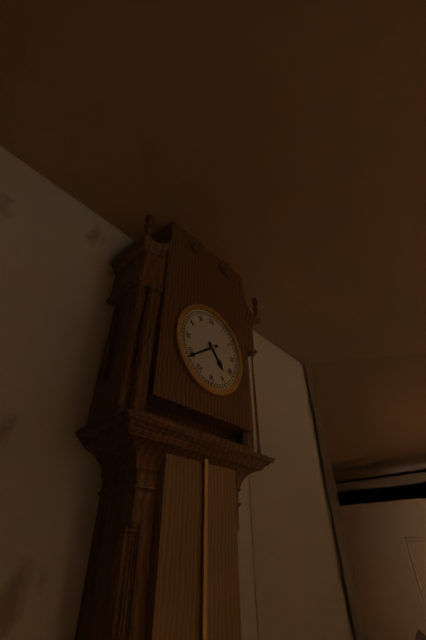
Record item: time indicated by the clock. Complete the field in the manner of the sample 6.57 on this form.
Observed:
4.39
